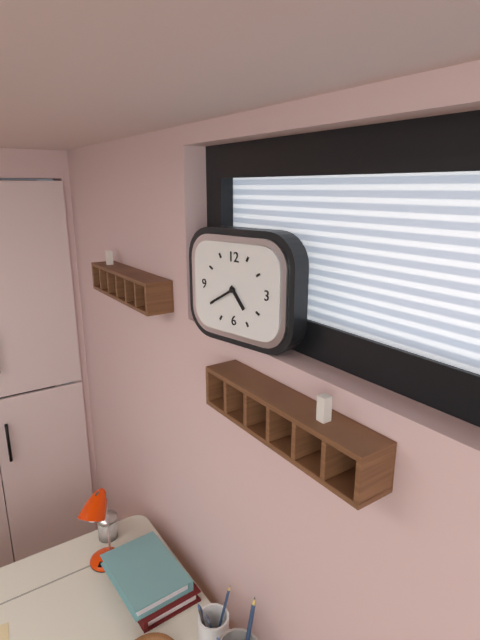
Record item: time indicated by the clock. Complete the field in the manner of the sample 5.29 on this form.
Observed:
4.40
